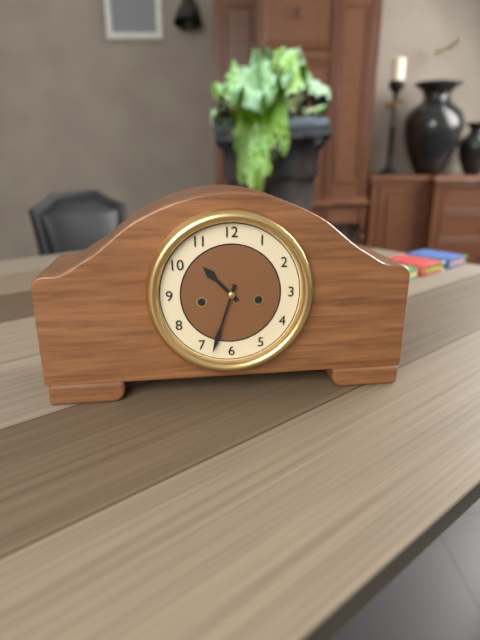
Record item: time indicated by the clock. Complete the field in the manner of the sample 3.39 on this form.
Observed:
10.33
